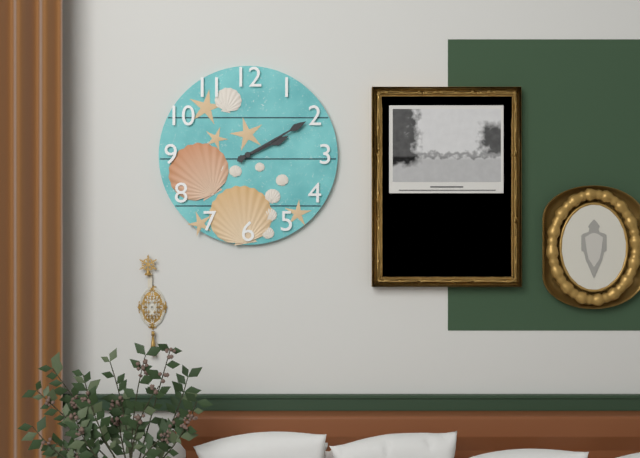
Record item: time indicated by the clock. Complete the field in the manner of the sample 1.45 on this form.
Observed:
2.10
